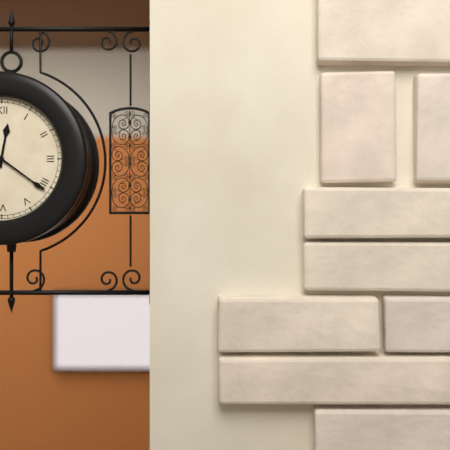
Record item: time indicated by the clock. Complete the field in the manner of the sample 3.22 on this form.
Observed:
12.21
